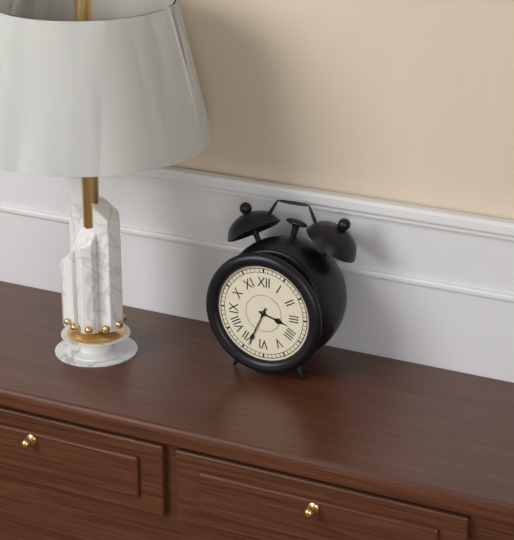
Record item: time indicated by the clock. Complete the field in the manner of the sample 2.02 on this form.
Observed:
3.34
